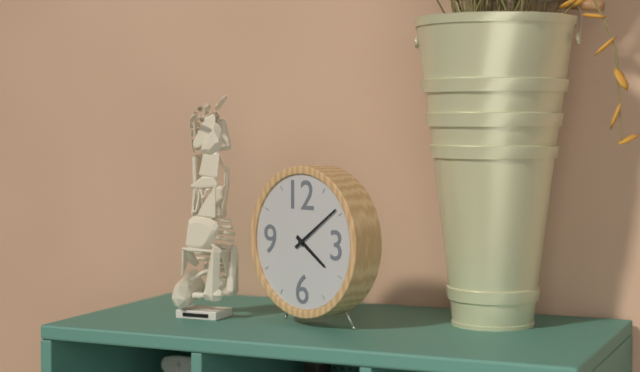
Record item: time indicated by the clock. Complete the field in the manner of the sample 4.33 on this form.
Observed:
4.09
